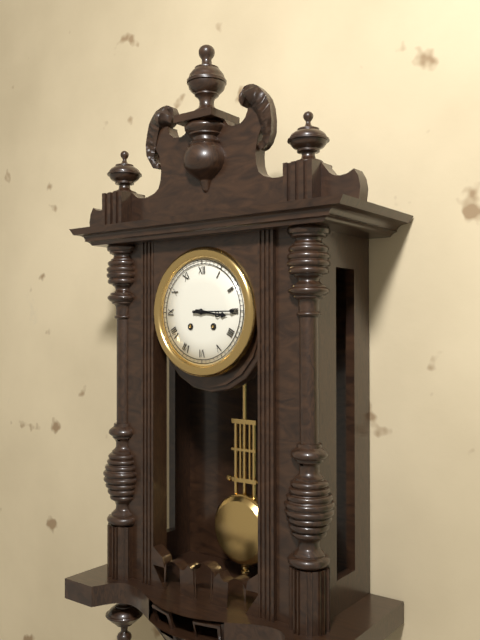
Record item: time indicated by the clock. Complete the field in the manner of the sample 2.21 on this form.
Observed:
3.15
